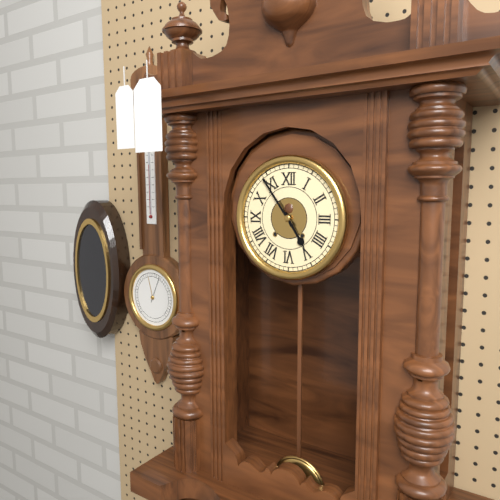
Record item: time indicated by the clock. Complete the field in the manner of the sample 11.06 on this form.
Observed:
4.54
